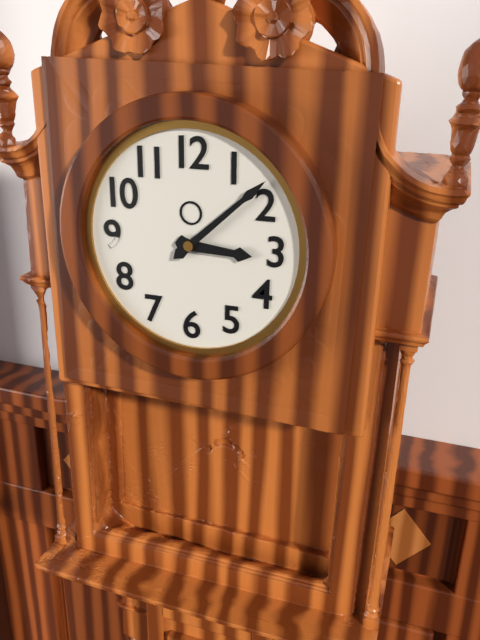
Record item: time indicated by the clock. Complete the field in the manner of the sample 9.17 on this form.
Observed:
3.08
